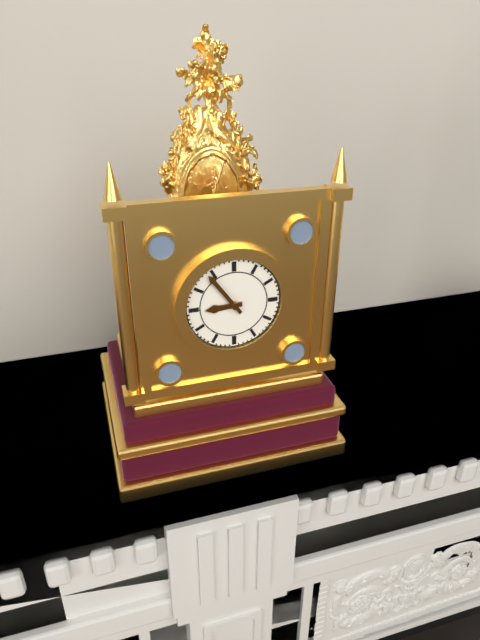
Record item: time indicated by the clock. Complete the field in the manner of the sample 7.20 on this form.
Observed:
8.54
